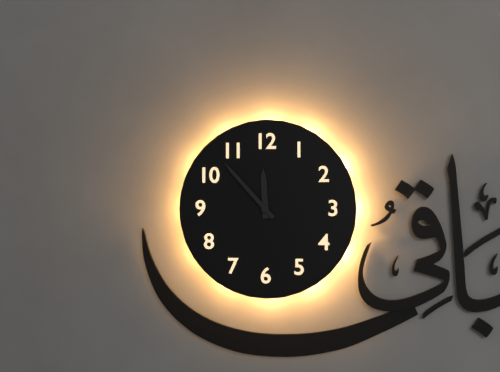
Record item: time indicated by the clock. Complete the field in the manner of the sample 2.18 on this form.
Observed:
11.53
